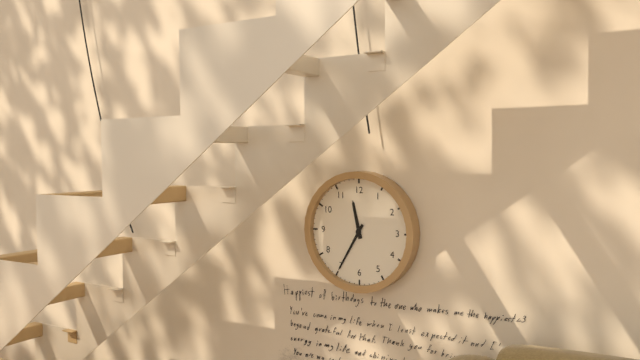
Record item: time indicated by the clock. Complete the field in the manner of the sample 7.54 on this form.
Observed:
11.35
